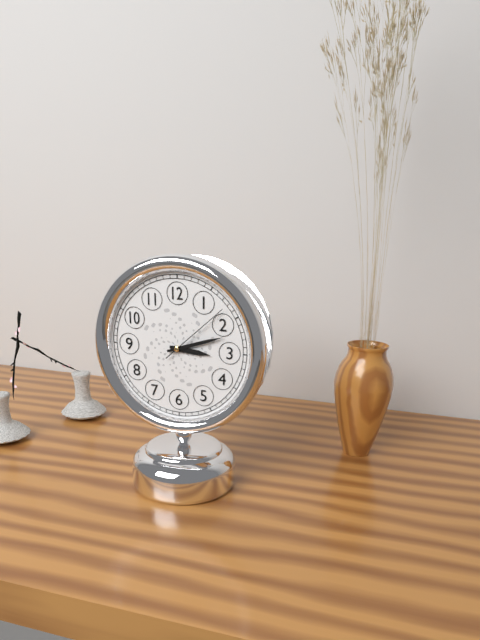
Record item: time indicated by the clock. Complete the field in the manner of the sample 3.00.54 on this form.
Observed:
3.12.08
